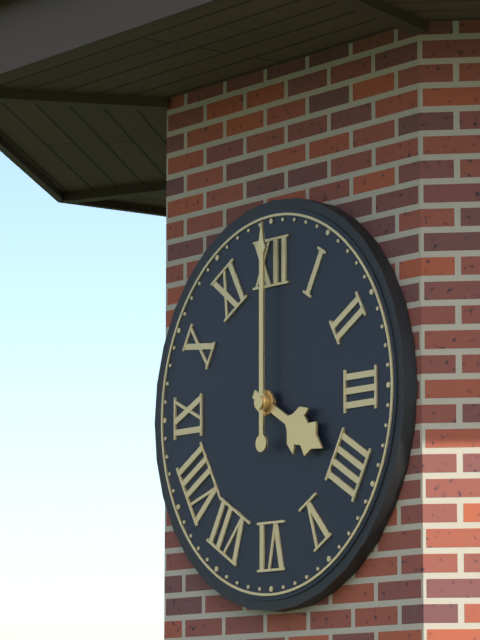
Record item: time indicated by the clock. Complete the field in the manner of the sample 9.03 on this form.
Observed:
4.00
